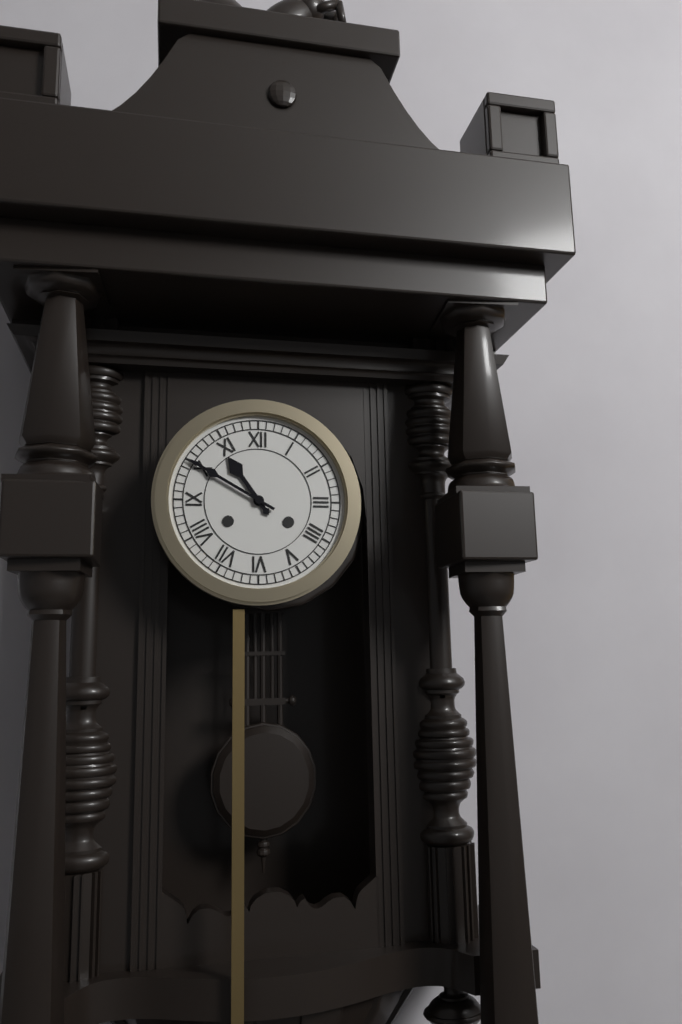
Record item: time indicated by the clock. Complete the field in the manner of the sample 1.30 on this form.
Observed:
10.50
